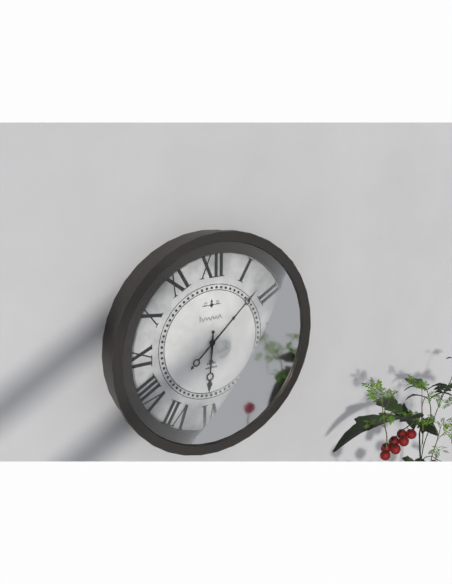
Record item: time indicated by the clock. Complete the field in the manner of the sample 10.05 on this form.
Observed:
6.08
